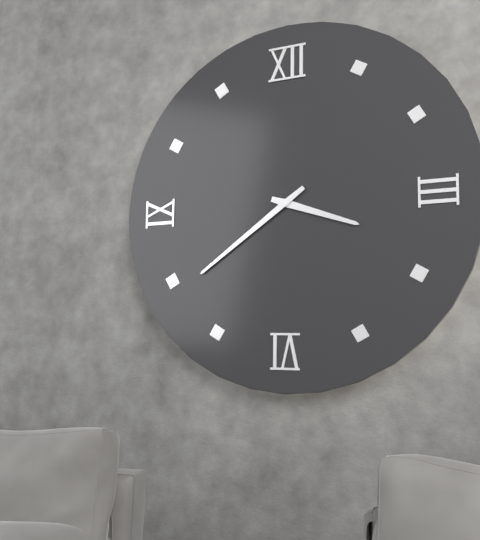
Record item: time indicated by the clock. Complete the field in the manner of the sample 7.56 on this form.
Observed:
3.39
